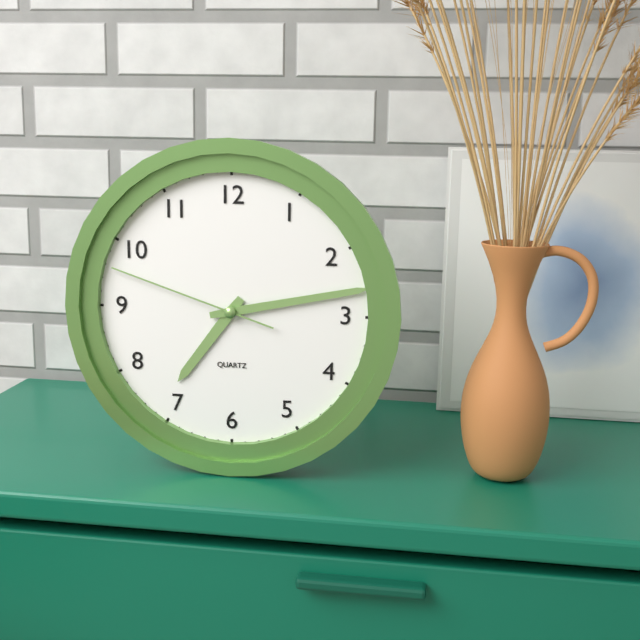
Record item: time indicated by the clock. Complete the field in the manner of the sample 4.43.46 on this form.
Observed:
7.13.48
